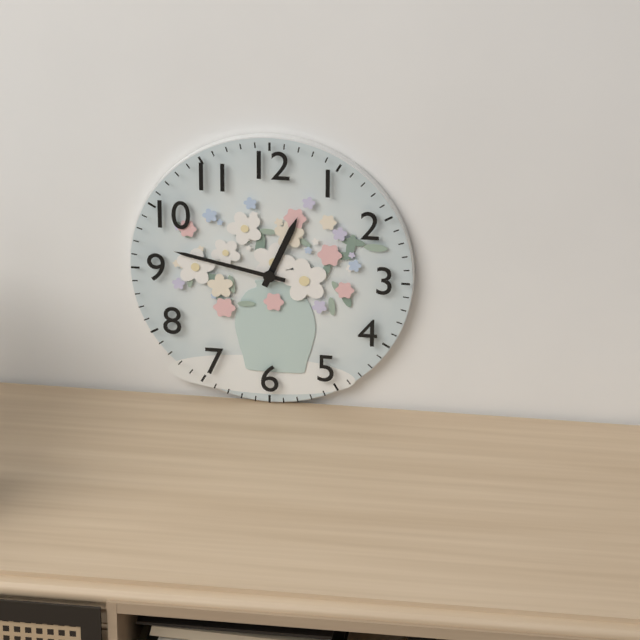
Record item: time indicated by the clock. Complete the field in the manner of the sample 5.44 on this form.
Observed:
12.47
